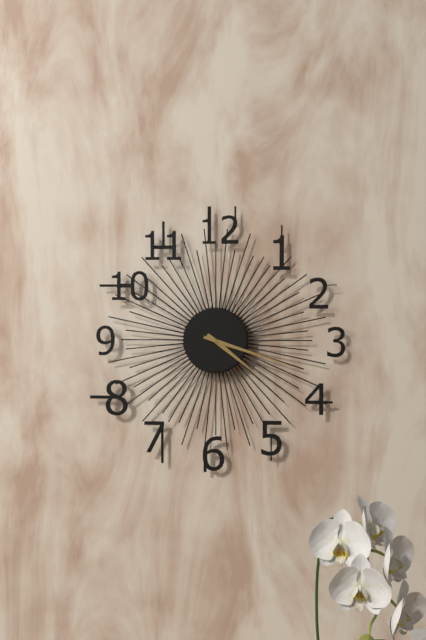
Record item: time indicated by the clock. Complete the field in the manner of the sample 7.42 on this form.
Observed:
4.18
